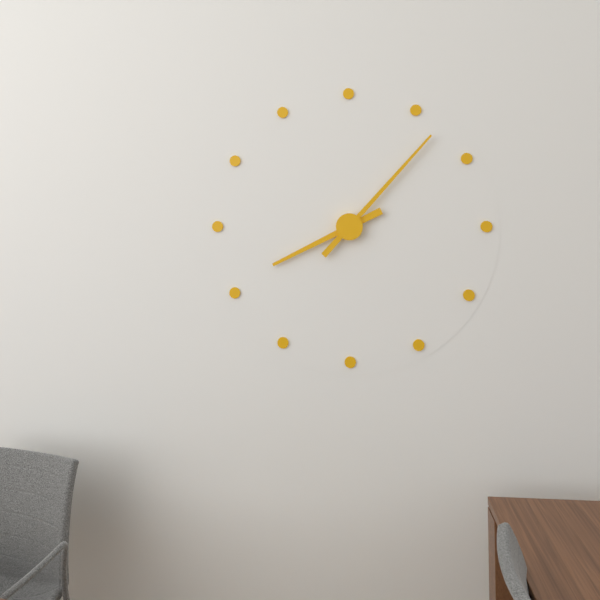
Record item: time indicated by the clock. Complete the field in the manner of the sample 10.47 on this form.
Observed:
8.07
